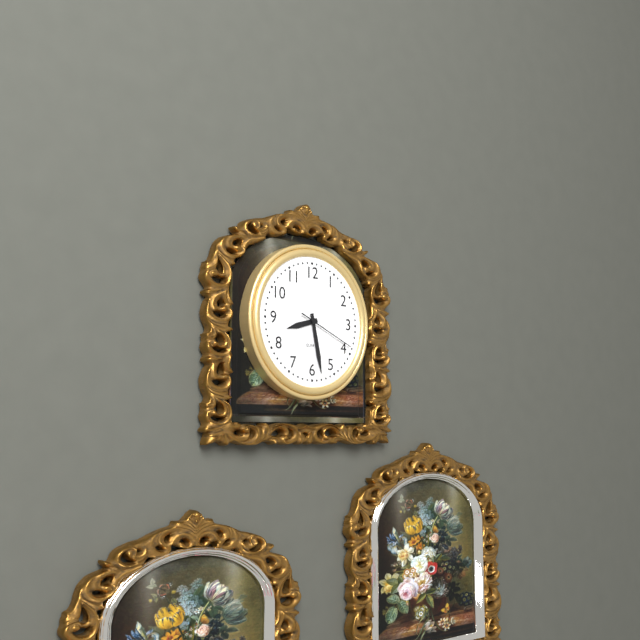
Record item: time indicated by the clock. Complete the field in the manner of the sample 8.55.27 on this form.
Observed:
8.28.19
